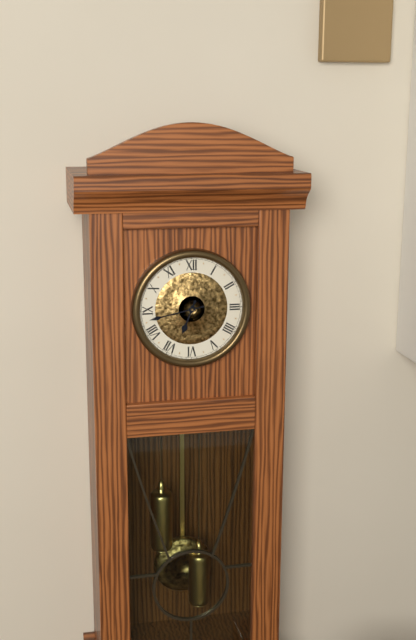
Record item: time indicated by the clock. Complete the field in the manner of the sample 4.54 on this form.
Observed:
6.43
